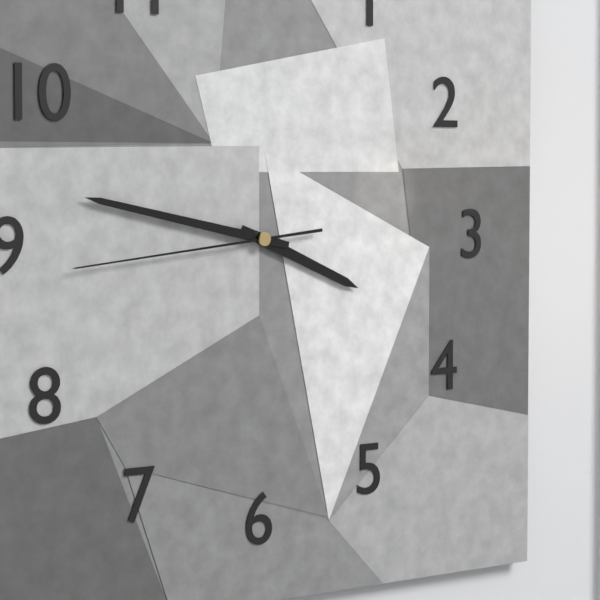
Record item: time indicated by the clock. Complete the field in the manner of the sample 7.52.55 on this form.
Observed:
3.47.44
